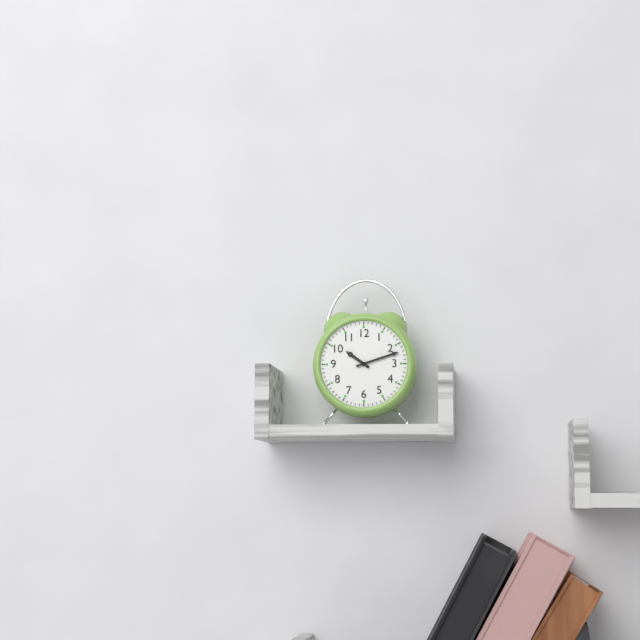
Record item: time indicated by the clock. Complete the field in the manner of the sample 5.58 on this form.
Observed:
10.12
